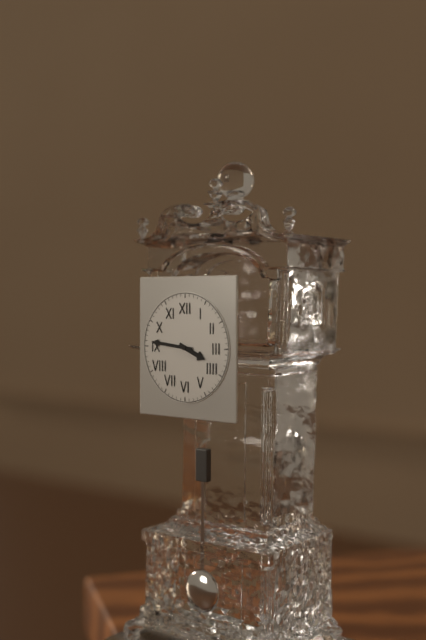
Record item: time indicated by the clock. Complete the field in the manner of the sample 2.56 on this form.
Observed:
3.46
